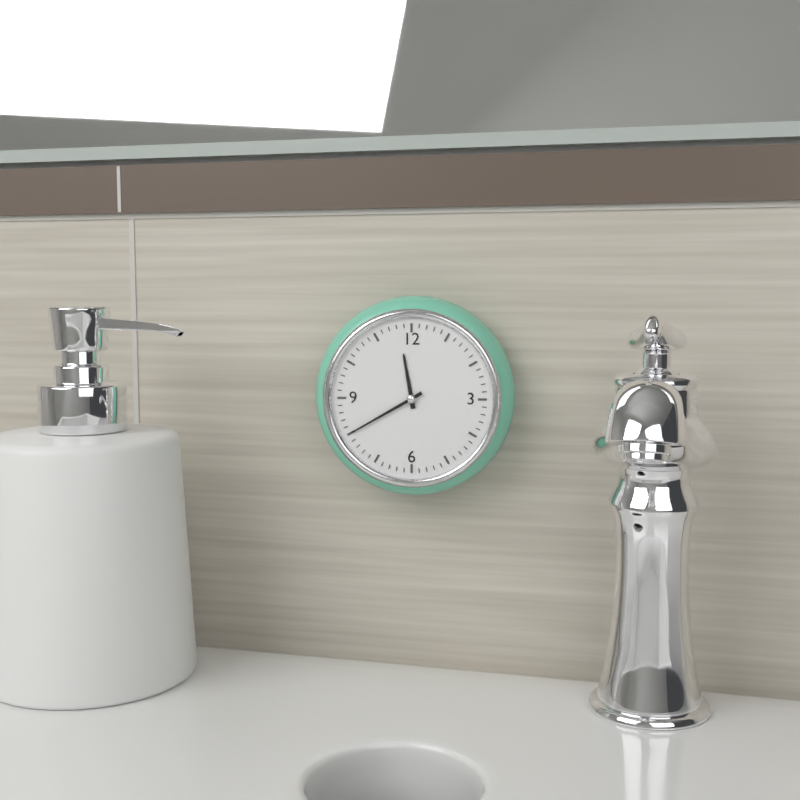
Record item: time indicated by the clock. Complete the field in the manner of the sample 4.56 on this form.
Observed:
11.40
